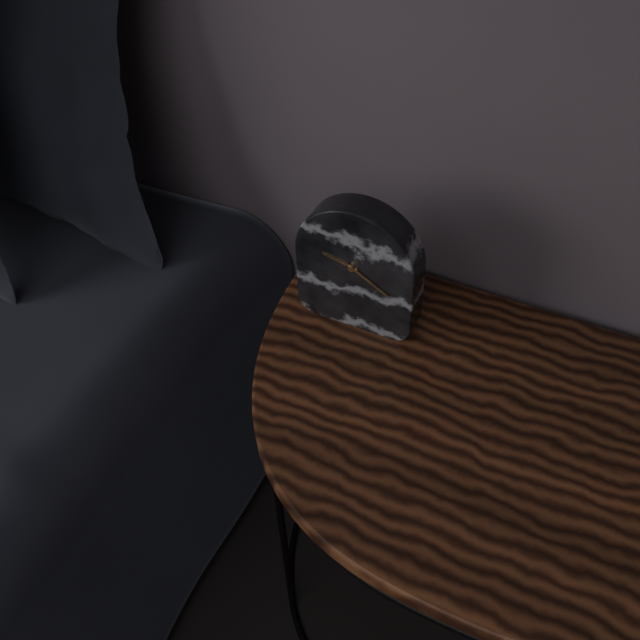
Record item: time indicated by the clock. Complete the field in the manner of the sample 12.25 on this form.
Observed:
9.20
